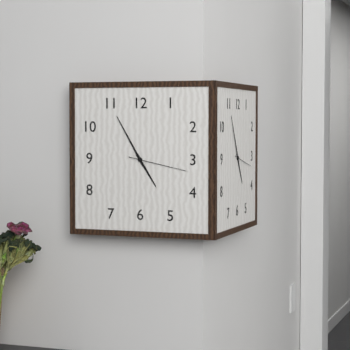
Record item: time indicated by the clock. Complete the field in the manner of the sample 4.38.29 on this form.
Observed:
4.55.17
